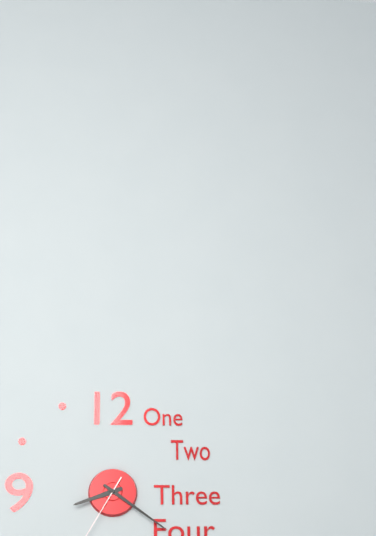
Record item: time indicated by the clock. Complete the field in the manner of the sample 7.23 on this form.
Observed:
8.21
